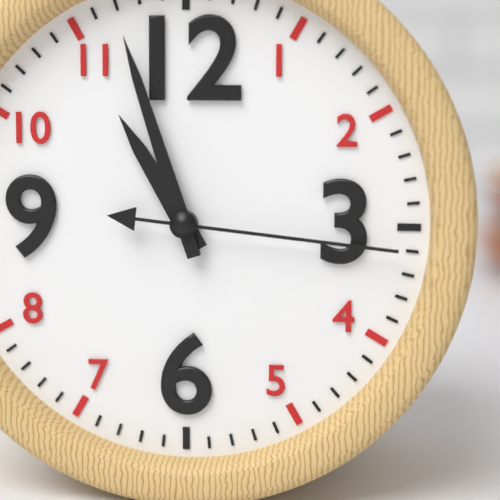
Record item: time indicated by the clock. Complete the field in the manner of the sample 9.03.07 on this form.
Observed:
10.57.16
